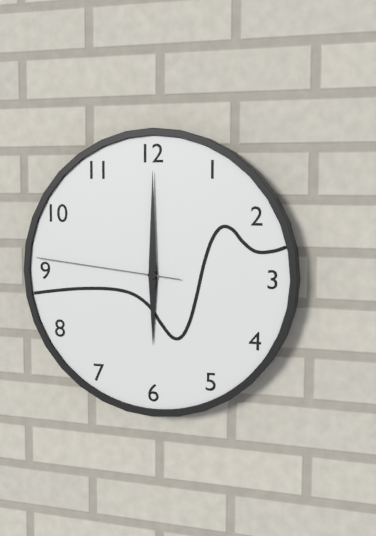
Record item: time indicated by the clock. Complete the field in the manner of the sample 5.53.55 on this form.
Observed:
6.00.46
